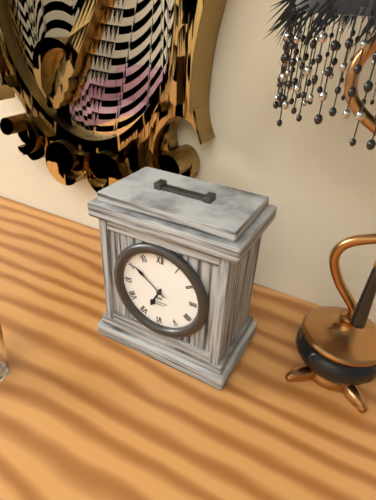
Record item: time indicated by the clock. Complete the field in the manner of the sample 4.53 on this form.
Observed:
6.51
